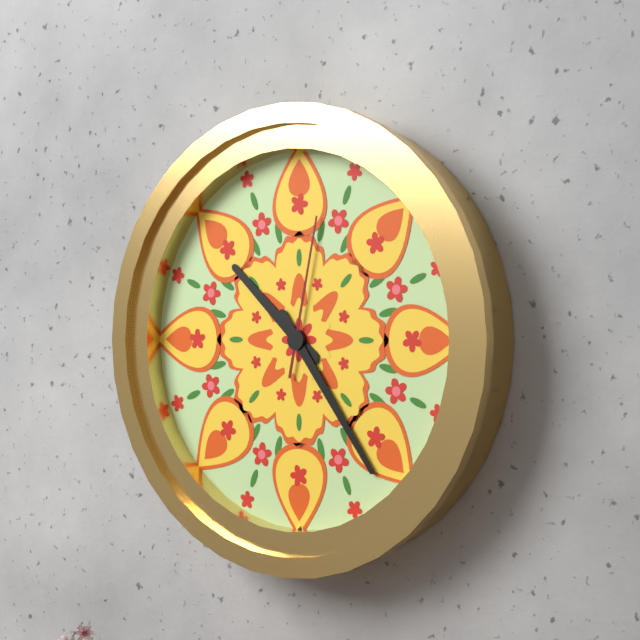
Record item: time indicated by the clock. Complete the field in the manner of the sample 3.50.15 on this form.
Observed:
10.24.02
